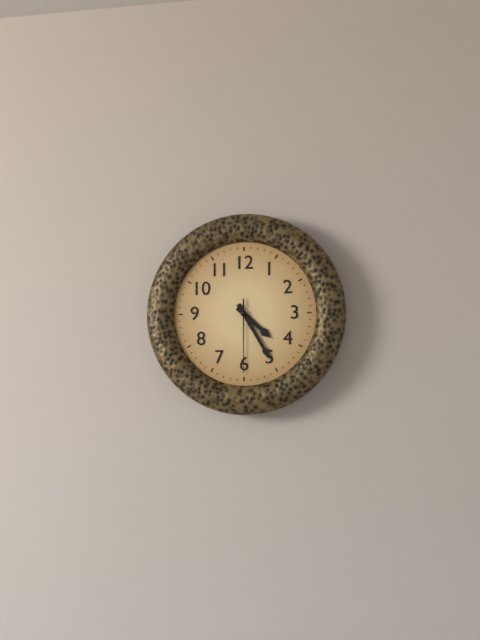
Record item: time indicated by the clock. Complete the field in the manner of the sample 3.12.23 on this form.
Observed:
4.25.30
